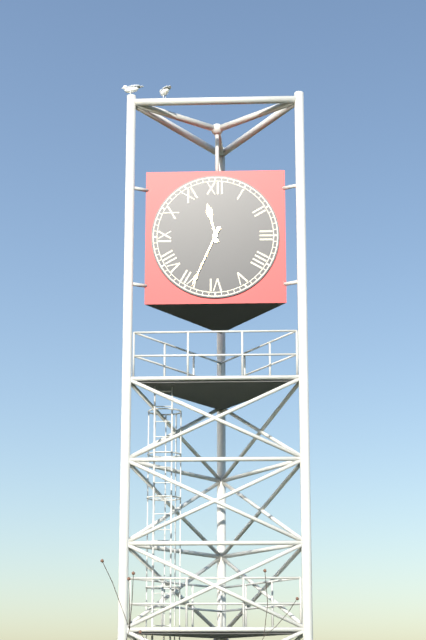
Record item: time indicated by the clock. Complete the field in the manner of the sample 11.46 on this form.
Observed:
11.34
